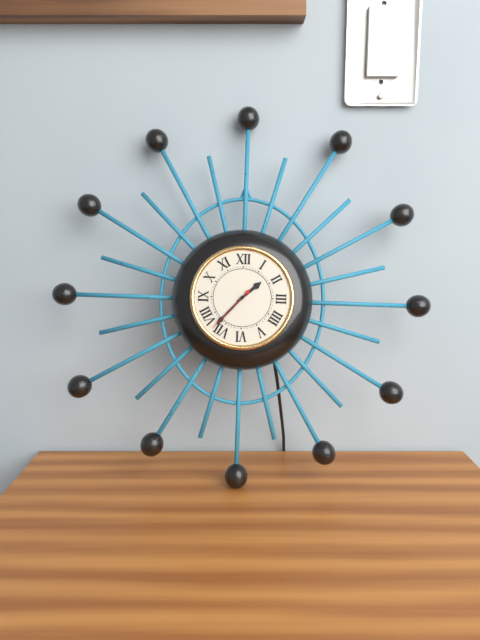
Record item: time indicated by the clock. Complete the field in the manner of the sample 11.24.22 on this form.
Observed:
1.37.37
